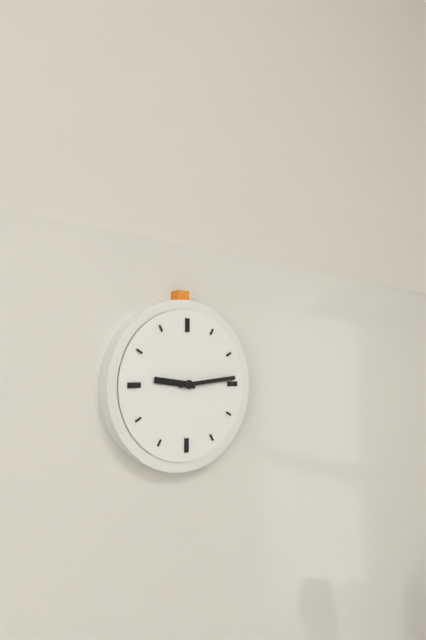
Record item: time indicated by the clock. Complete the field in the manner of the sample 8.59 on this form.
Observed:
9.14
